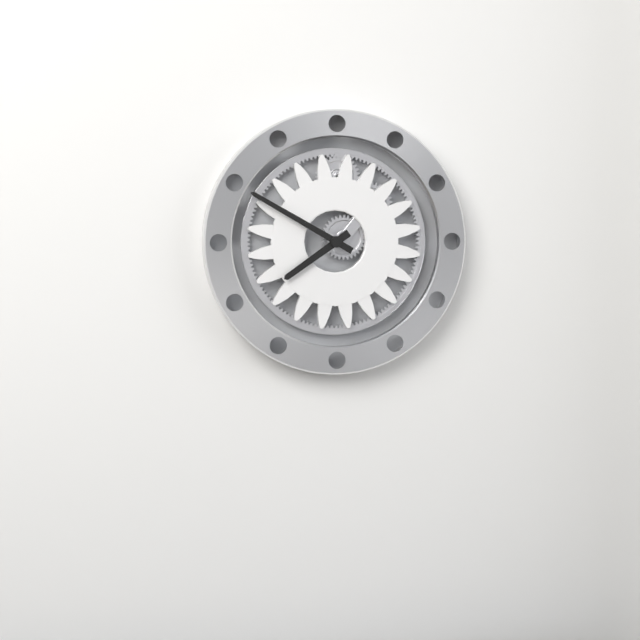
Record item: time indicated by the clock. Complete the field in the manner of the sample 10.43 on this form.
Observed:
7.50
